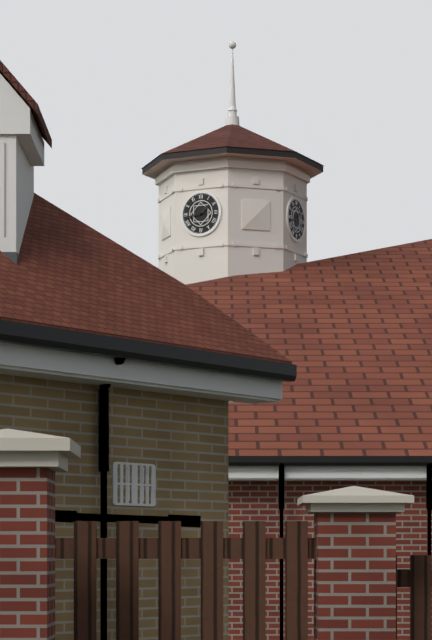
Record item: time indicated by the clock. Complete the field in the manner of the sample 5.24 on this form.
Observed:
1.43
